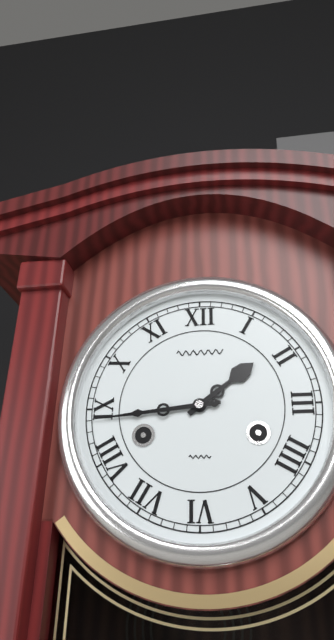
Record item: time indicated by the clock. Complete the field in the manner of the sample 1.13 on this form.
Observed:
1.44
